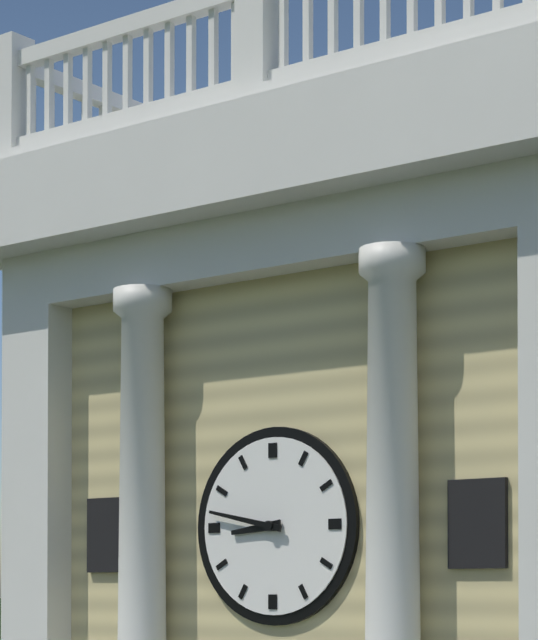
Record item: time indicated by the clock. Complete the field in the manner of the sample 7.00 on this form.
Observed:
8.47
